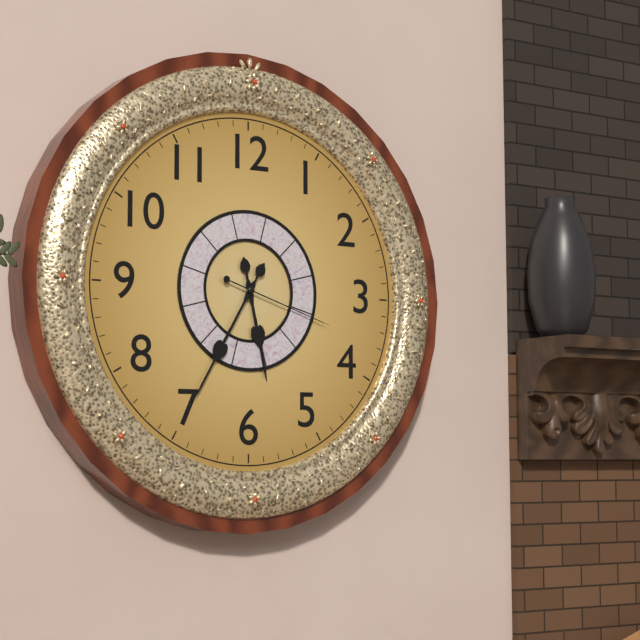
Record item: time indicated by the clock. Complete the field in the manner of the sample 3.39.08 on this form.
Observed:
5.35.18
